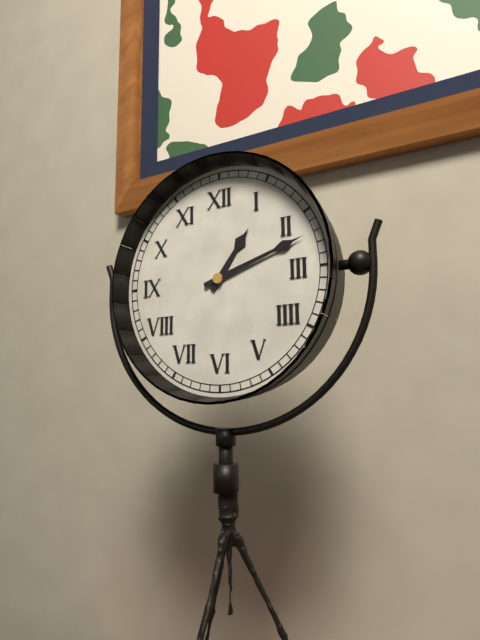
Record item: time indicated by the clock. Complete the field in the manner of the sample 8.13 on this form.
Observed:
1.12
